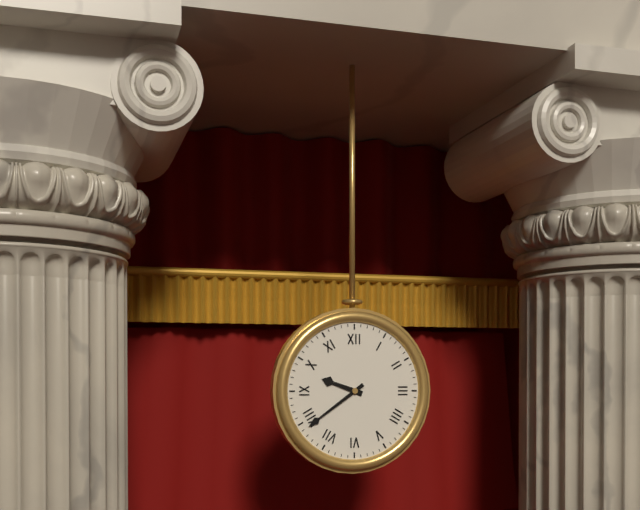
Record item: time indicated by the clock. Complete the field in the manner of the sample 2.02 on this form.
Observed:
9.39
